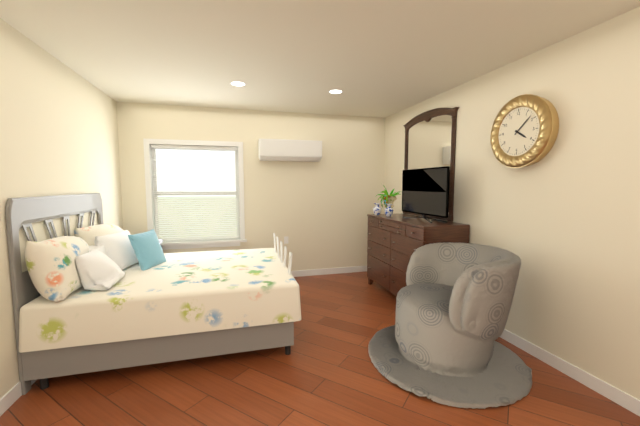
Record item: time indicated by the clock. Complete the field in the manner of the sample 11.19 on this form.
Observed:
4.08
